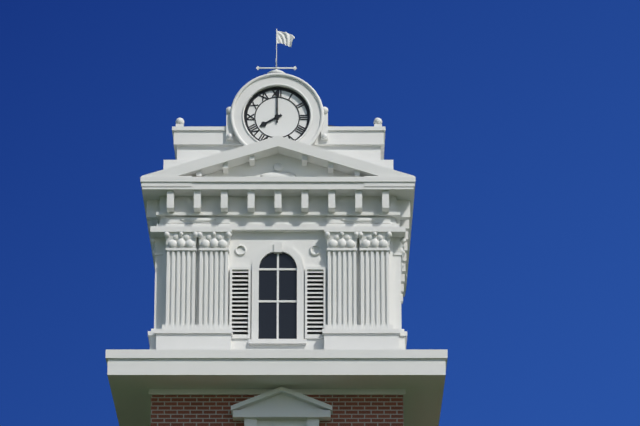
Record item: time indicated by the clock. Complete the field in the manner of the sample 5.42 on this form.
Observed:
8.00
